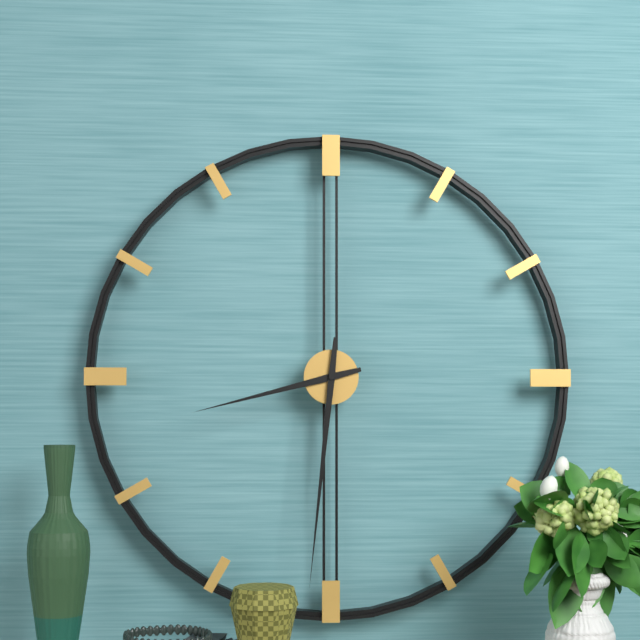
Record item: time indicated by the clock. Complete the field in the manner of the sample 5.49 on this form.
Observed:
8.31
